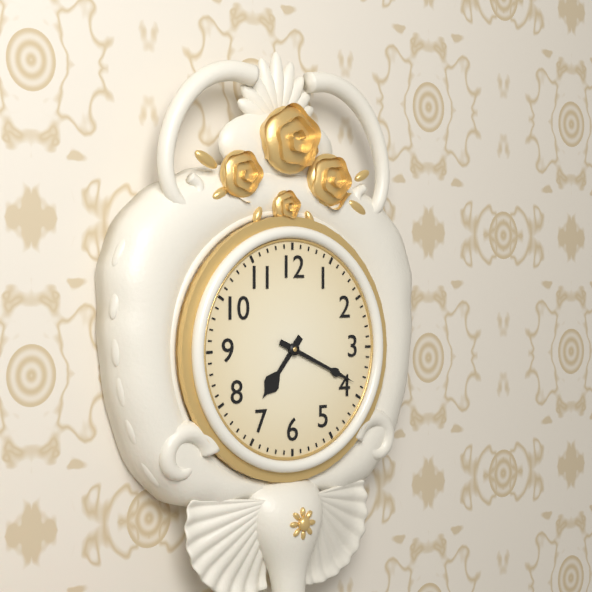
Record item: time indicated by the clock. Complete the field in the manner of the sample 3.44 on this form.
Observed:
7.19
